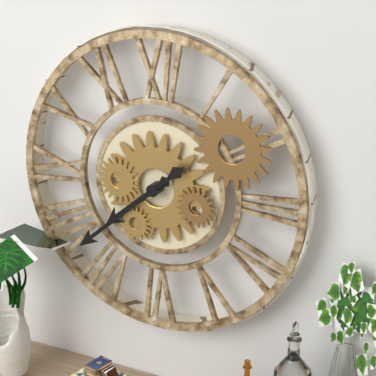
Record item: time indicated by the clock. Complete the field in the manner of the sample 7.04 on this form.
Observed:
7.38
